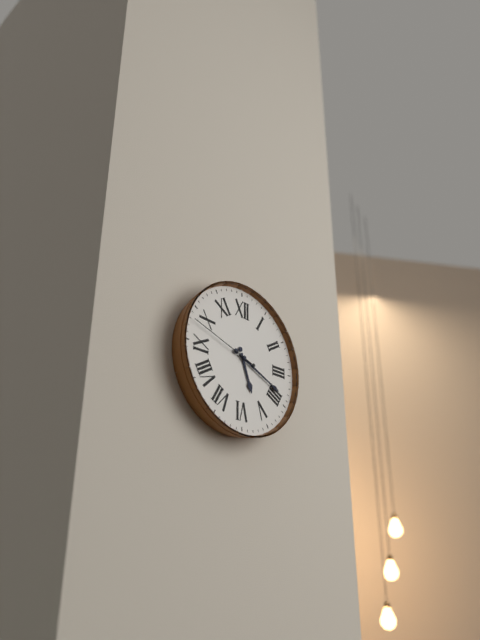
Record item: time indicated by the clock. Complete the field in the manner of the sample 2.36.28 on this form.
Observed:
5.19.48
